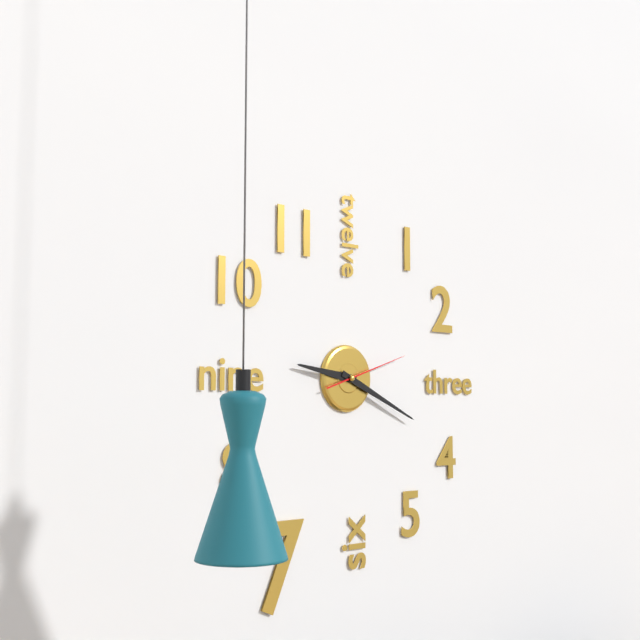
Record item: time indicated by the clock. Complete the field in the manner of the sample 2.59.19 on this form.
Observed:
9.19.12
